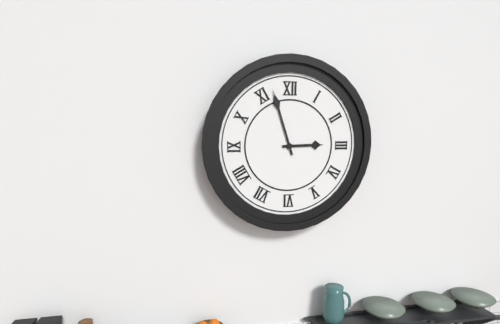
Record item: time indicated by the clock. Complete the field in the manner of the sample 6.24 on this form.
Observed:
2.57
